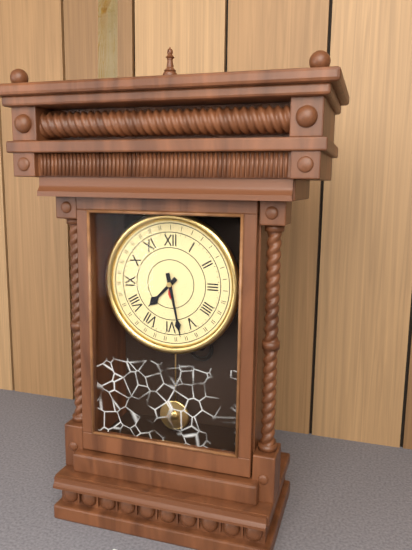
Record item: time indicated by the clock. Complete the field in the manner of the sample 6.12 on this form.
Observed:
7.28
